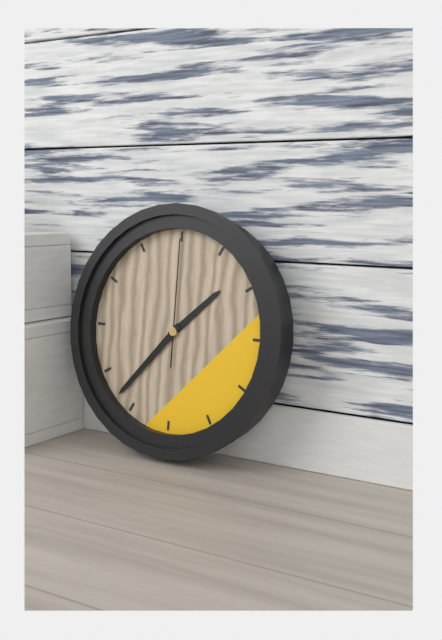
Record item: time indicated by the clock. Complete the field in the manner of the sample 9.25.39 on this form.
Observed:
1.37.00
